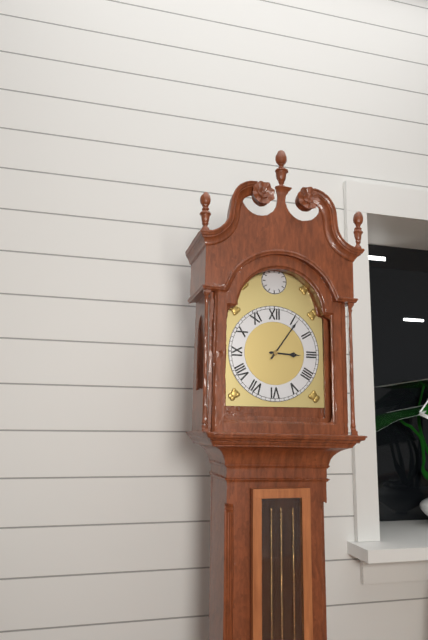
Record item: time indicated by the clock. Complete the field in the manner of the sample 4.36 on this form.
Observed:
3.06
